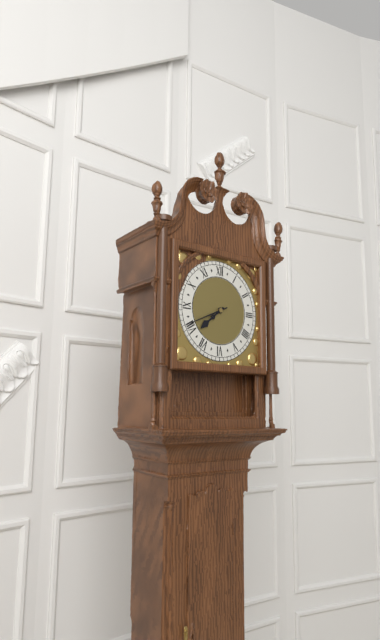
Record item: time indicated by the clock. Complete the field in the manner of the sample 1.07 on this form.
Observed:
7.41
